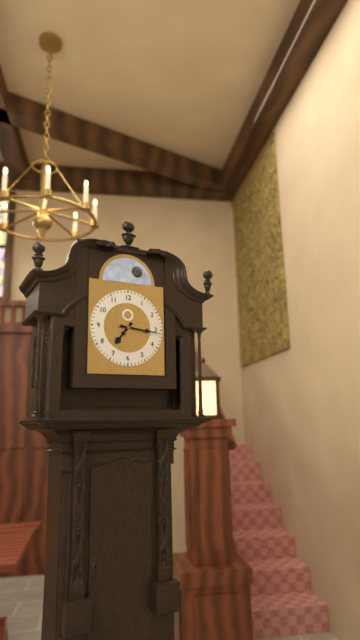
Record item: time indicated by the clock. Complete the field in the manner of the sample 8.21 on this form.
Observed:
7.16
